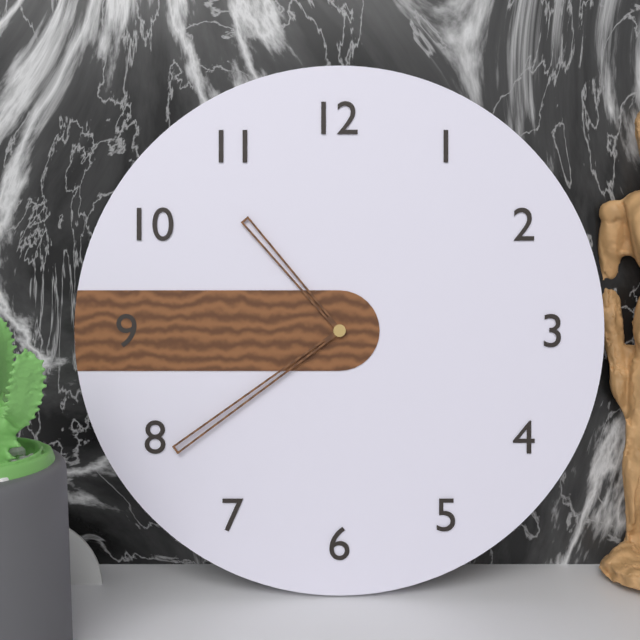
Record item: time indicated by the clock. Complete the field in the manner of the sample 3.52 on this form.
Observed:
10.39
